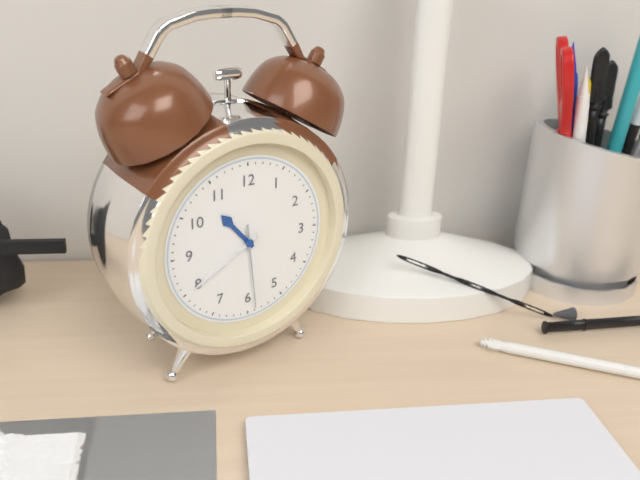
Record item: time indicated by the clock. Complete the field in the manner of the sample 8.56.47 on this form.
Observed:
10.40.29
